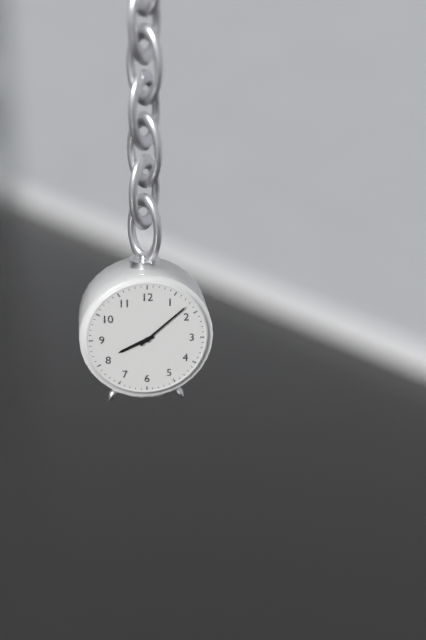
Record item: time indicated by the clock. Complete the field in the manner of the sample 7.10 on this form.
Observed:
8.08
